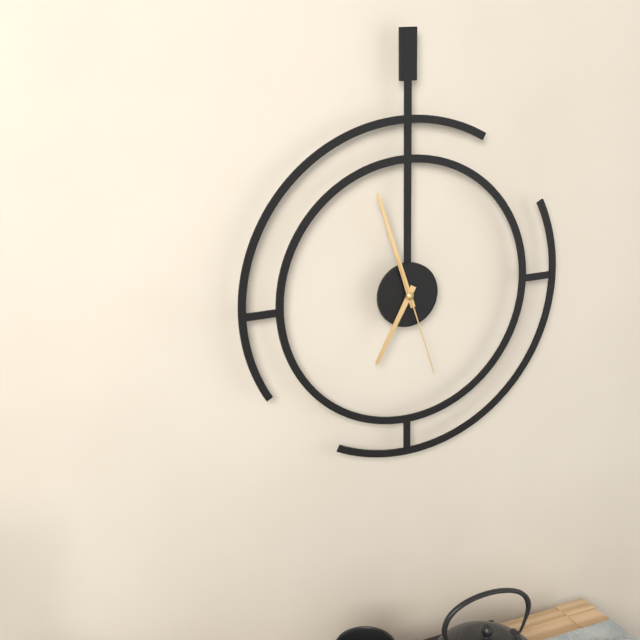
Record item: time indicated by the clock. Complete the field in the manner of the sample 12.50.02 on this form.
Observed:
6.57.27
